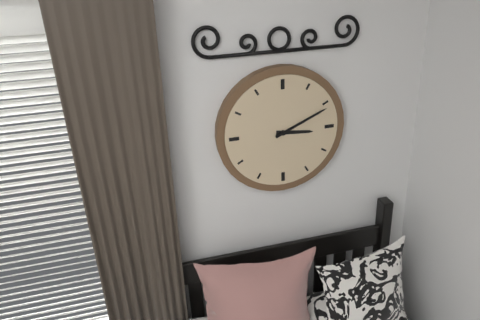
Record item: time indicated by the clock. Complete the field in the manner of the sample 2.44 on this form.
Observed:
3.11
